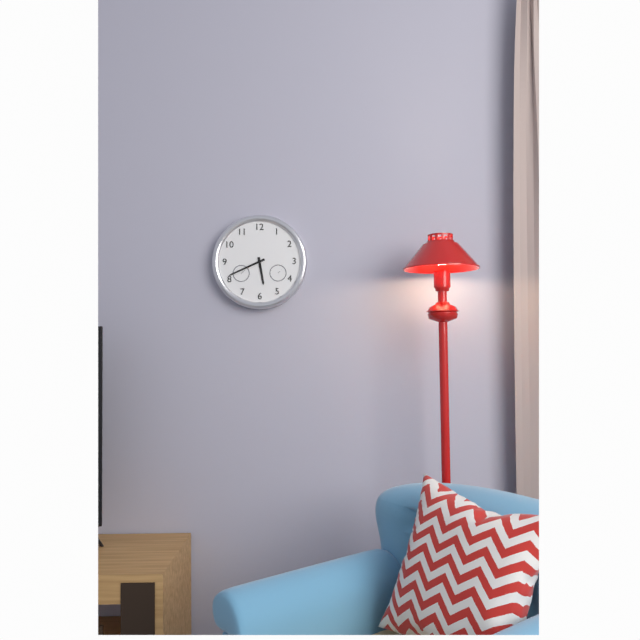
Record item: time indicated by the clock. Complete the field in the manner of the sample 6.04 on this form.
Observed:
5.41
